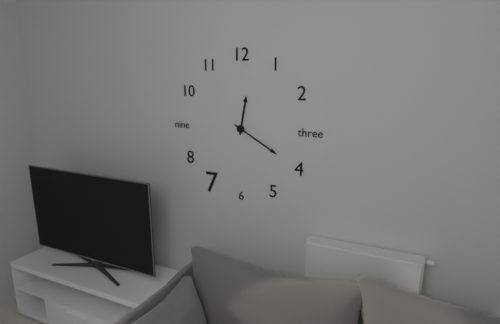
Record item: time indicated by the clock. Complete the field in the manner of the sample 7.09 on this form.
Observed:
12.20
